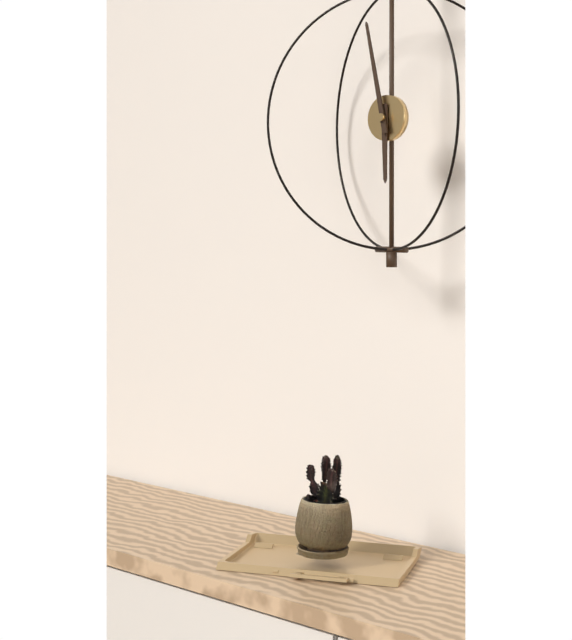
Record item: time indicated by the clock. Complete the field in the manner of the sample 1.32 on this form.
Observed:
5.58
